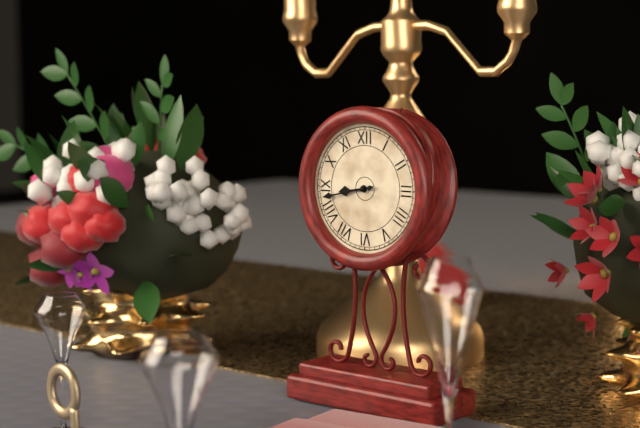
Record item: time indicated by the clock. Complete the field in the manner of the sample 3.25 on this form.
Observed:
8.43
